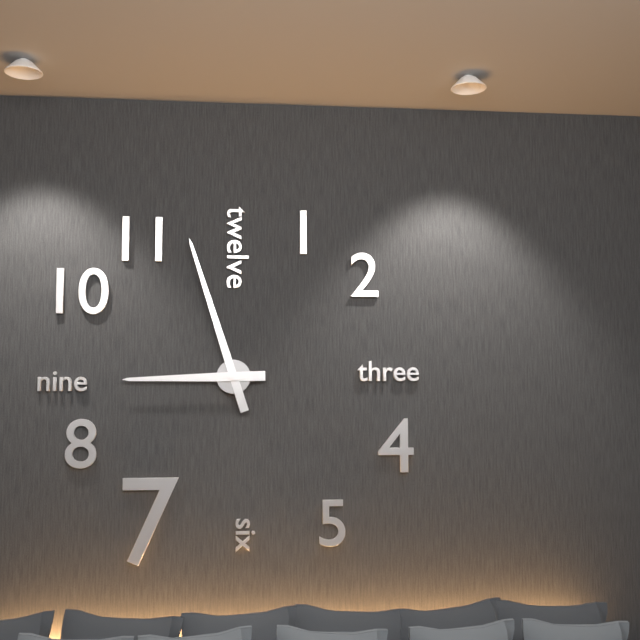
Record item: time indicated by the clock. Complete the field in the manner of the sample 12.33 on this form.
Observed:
8.57
